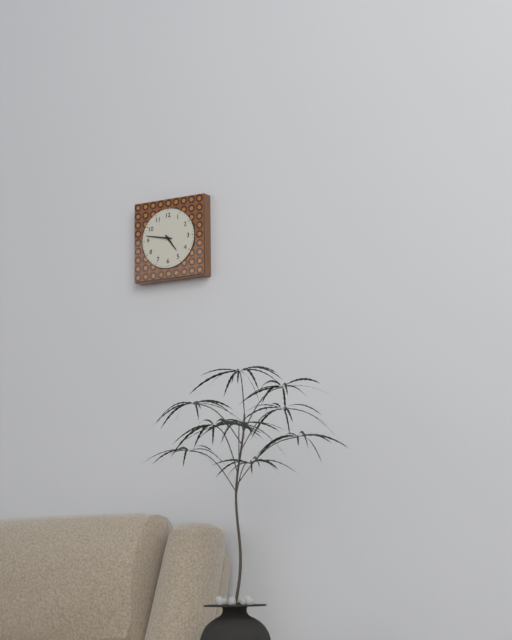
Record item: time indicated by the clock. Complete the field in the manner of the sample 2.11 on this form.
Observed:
4.47
